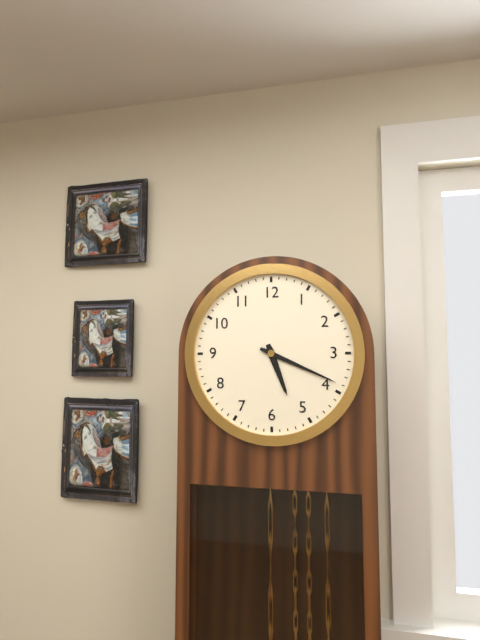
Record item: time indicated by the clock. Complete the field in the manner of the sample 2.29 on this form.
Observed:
5.19
